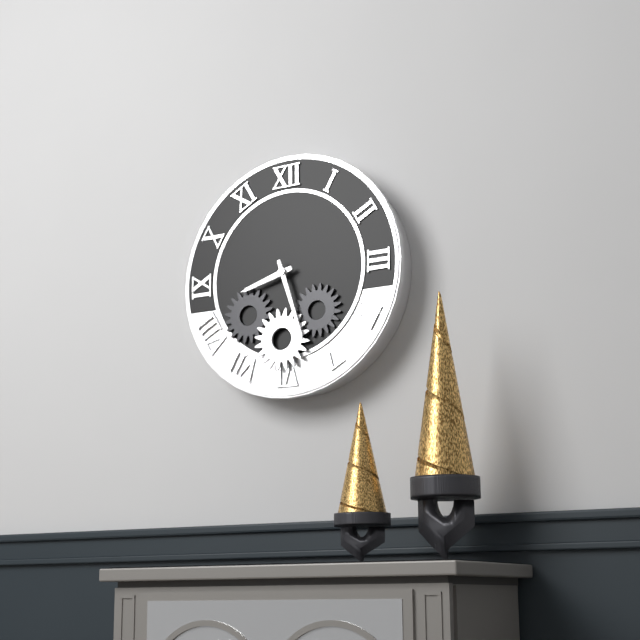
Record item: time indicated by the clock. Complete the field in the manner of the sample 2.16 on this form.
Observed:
8.27
